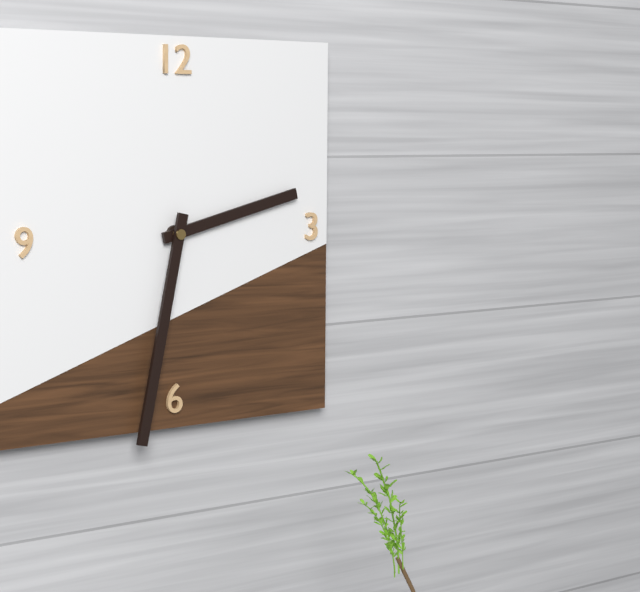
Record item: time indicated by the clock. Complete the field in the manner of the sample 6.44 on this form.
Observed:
2.32
